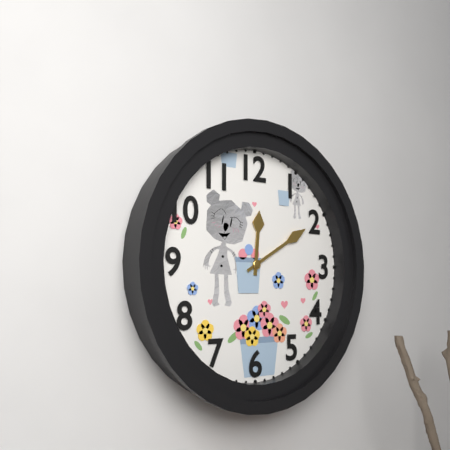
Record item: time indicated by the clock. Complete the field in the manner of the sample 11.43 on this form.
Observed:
12.10
